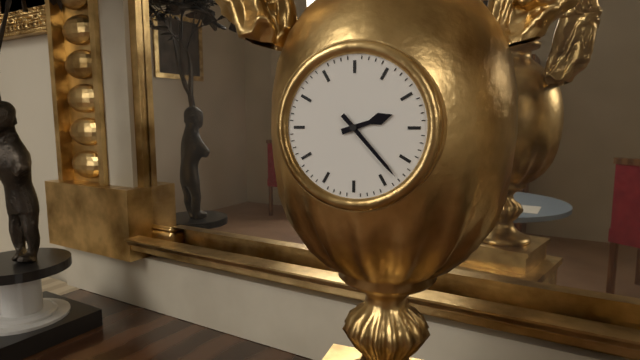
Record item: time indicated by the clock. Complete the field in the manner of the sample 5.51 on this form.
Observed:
2.23
